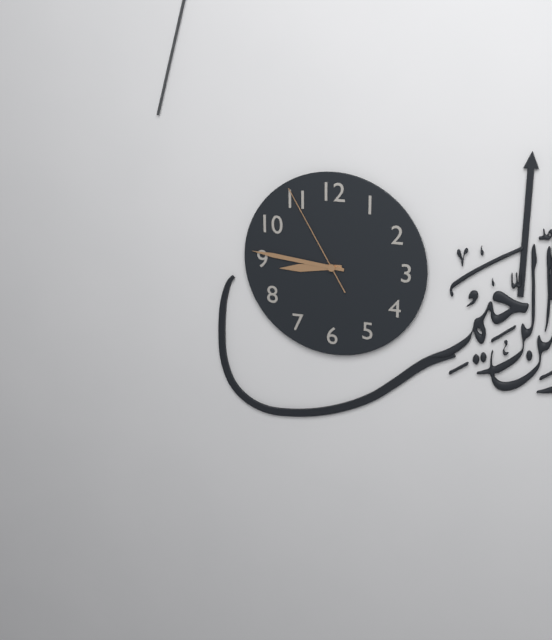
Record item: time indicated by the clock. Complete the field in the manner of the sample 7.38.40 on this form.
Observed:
8.46.55
